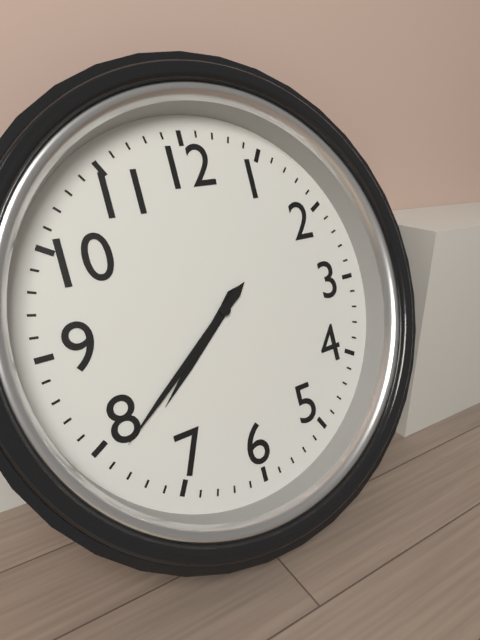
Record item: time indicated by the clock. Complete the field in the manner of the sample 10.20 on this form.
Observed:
7.39
